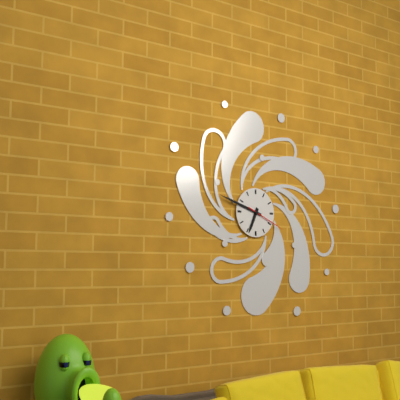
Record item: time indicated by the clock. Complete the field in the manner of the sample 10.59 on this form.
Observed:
6.48
